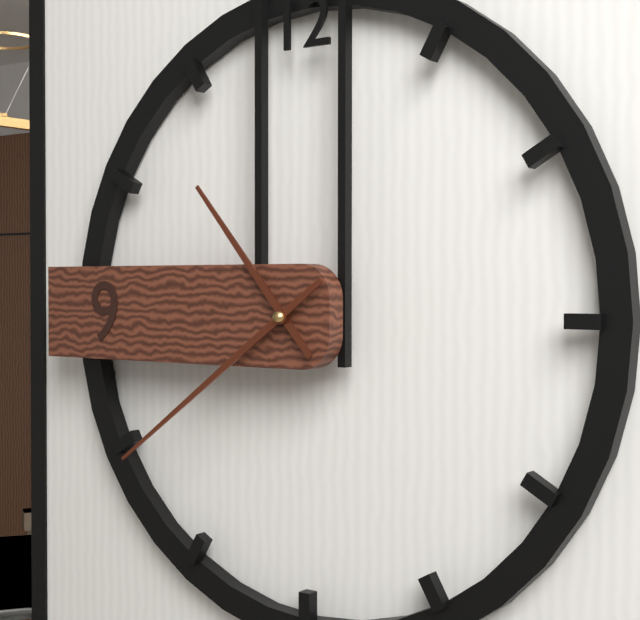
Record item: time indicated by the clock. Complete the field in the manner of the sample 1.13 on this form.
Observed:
10.39
